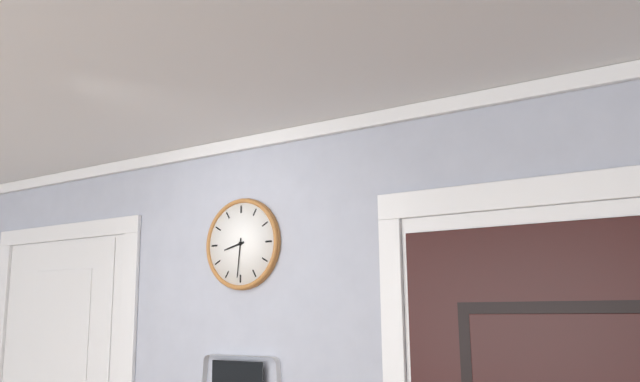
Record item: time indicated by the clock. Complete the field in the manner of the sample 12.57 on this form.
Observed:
8.31
